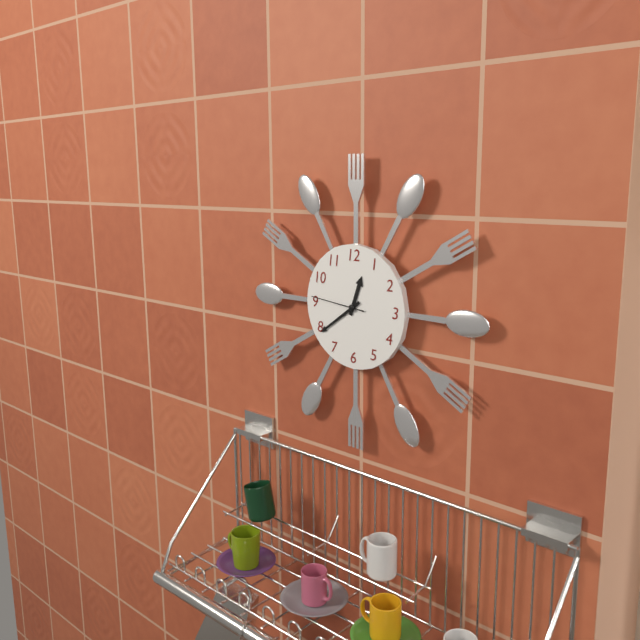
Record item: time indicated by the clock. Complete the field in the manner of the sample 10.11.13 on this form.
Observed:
12.39.46
